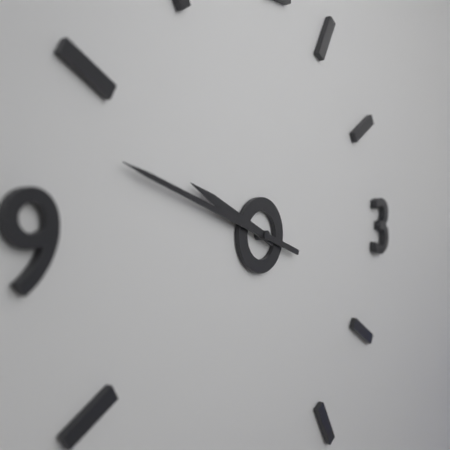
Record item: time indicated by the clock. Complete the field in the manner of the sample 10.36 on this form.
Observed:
9.48
